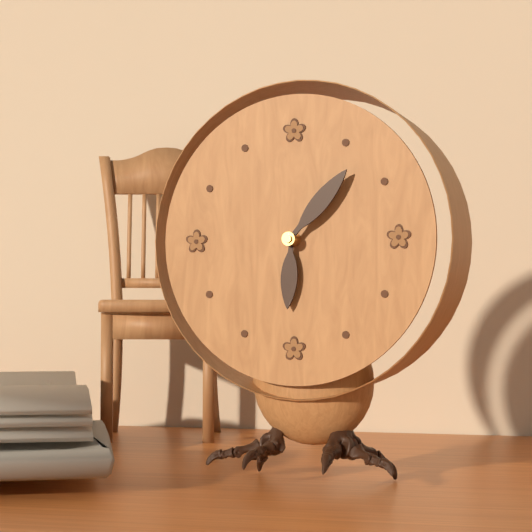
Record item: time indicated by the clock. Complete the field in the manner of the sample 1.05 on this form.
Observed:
6.07
